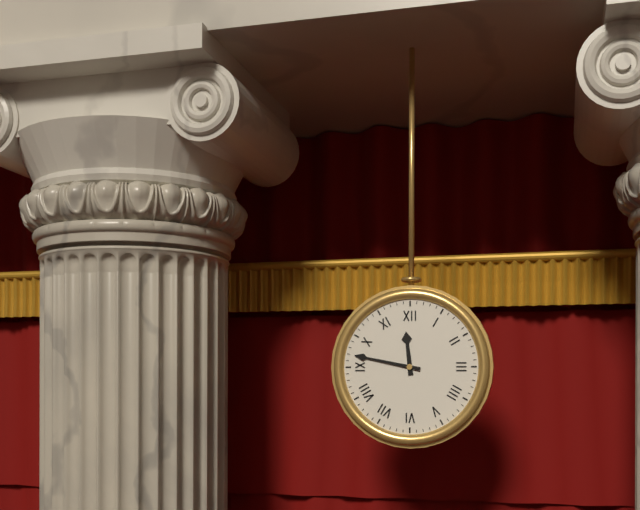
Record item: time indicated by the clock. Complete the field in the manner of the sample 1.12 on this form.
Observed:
11.47
